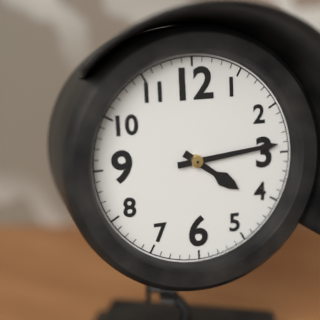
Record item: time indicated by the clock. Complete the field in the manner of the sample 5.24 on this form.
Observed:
4.14
